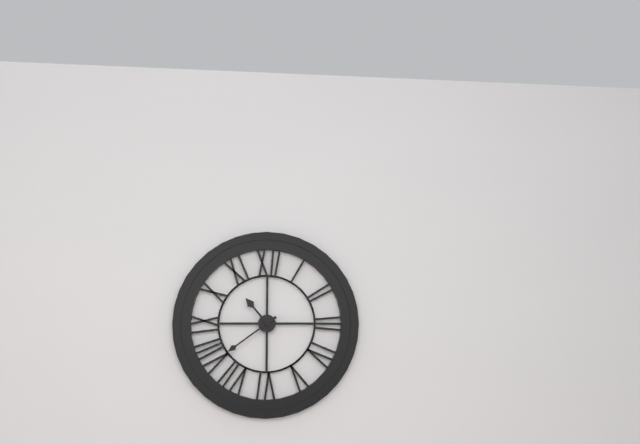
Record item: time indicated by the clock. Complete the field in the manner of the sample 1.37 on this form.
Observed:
10.39
